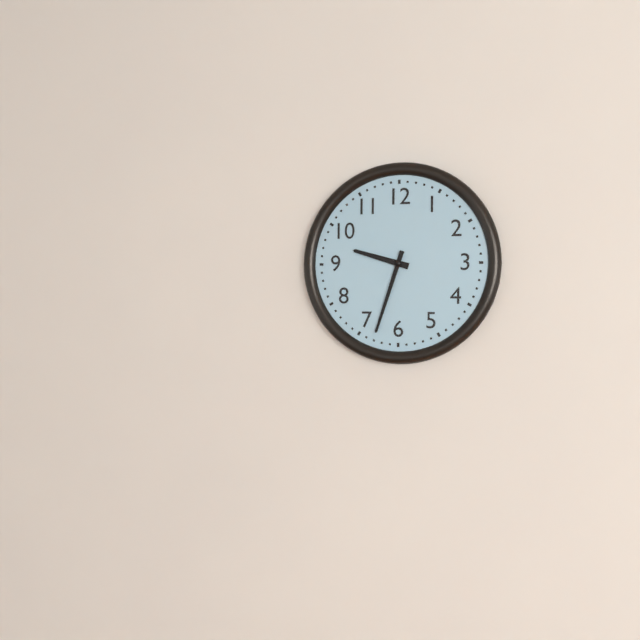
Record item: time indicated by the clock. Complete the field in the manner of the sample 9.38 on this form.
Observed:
9.33
